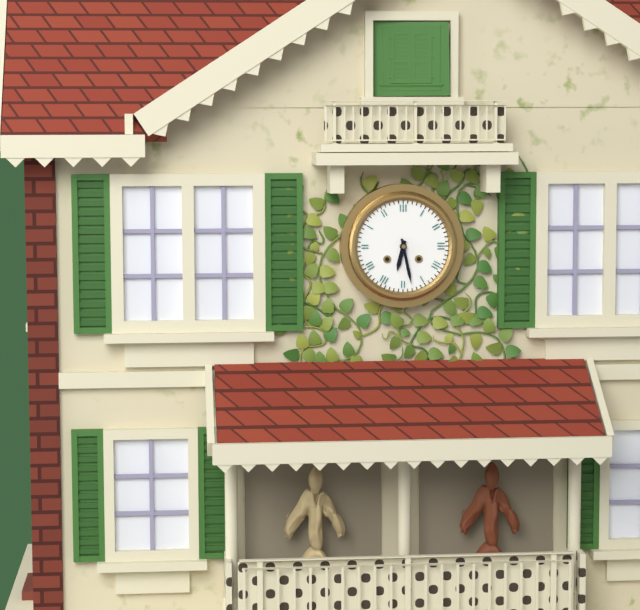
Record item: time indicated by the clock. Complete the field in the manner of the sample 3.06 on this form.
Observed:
6.28
